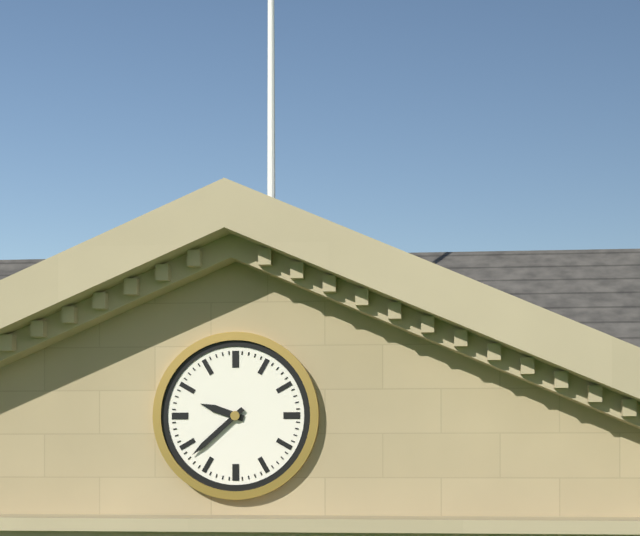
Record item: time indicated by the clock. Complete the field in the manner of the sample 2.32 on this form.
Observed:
9.38
